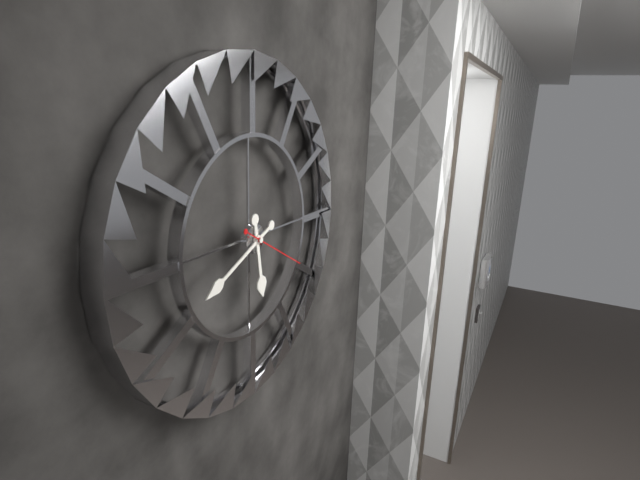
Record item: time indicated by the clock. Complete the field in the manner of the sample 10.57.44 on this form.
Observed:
5.41.20
